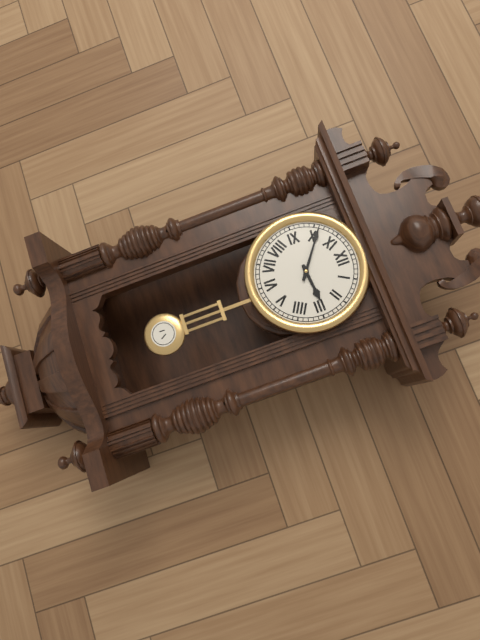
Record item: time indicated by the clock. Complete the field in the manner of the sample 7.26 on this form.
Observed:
2.51
